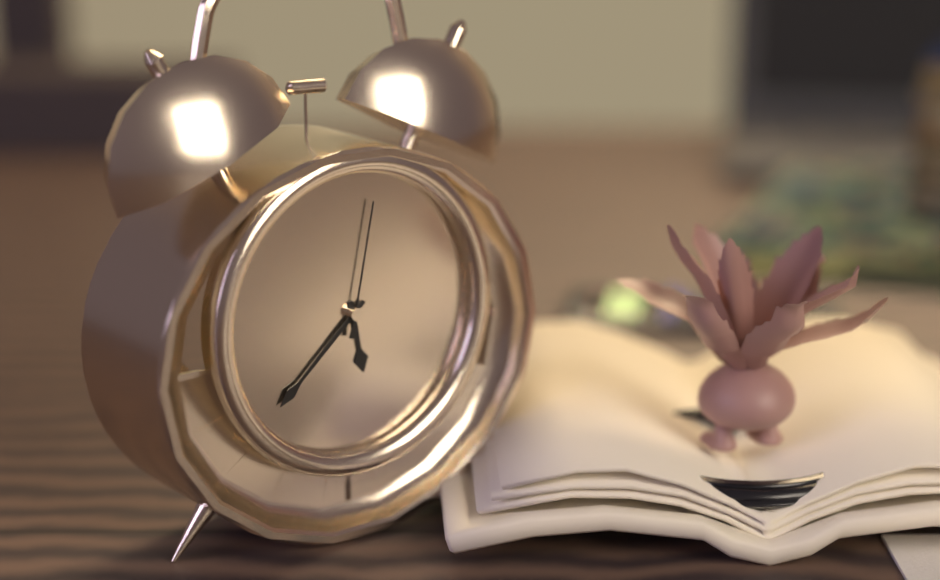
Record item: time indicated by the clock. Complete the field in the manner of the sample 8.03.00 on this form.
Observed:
5.38.02
